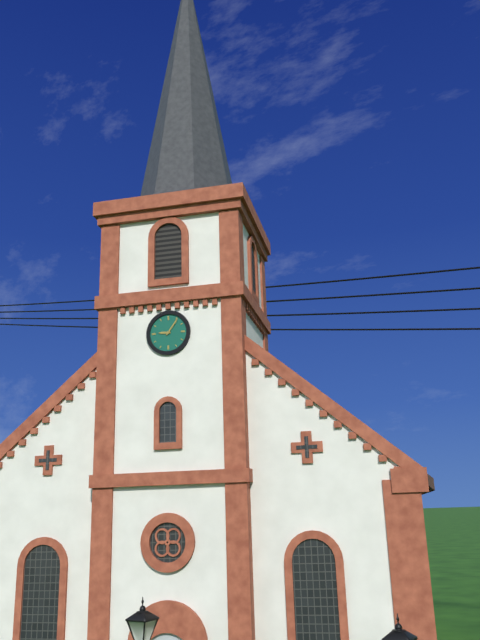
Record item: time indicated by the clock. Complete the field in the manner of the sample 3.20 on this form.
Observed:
9.06
